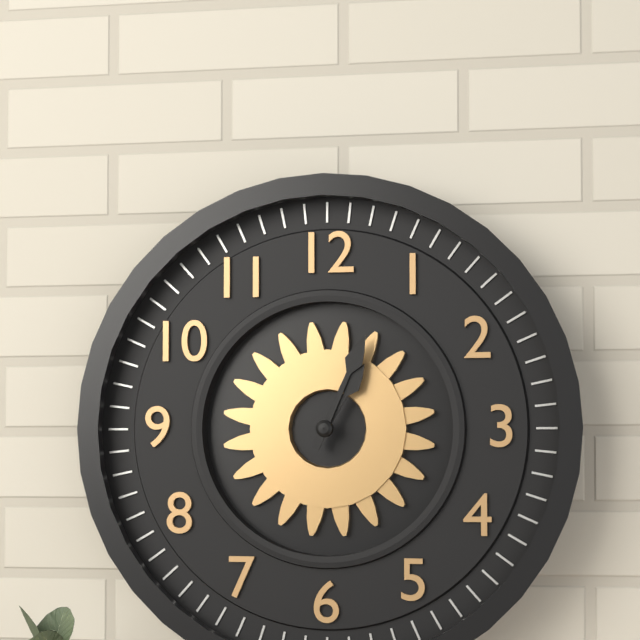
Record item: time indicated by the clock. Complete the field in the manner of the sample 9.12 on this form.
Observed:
1.04
